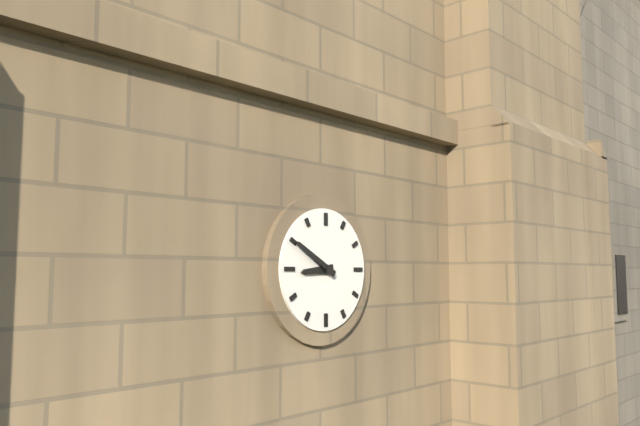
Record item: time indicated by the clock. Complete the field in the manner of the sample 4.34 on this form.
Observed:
8.50
